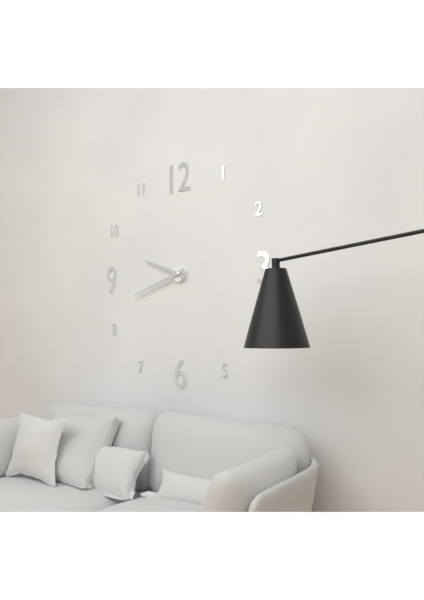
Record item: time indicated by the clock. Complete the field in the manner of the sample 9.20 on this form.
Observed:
9.42
